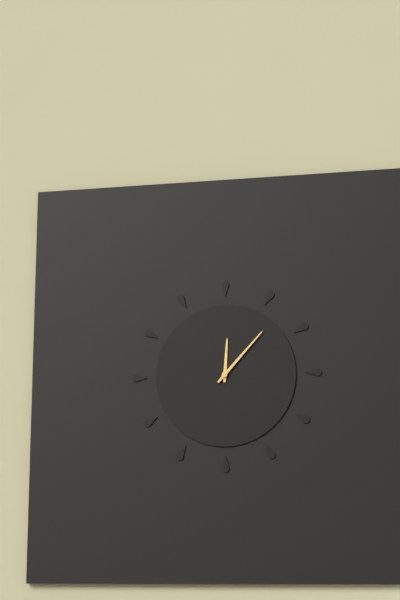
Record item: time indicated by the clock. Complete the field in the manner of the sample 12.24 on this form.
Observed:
12.07
